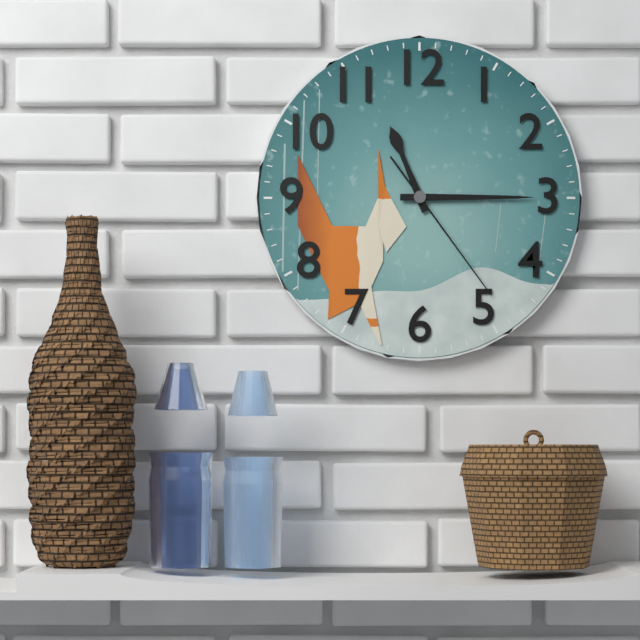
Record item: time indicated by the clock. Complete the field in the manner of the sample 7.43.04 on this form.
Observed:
11.15.24
